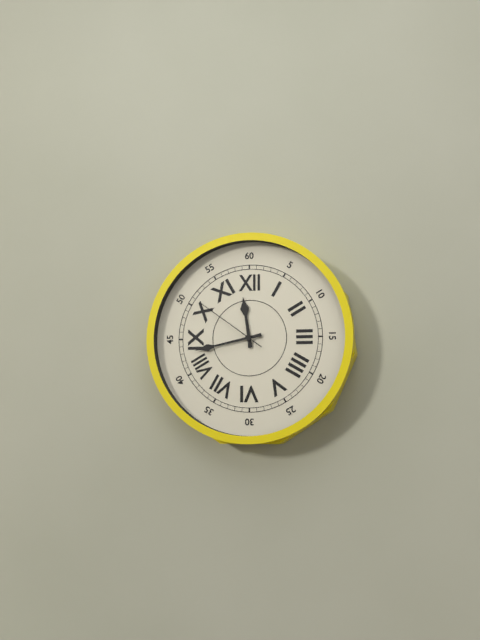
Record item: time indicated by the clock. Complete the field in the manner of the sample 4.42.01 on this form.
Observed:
11.43.51
